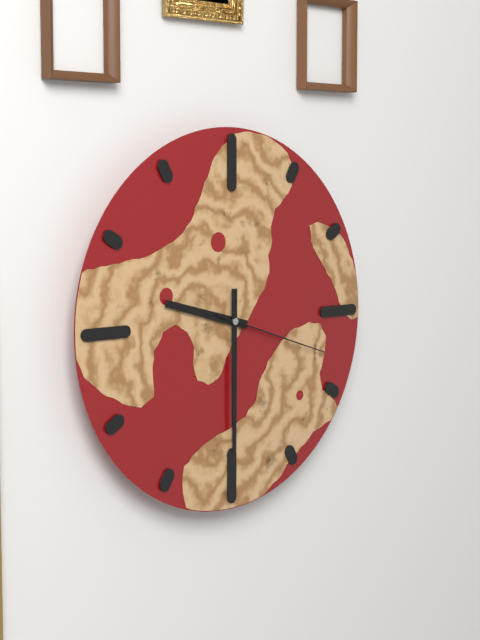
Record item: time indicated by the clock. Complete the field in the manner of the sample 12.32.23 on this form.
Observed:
9.30.18
